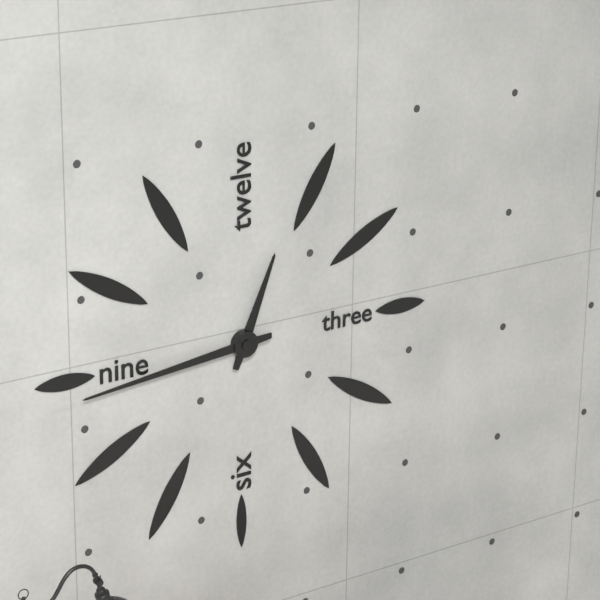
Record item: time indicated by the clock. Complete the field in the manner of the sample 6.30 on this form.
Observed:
12.44
